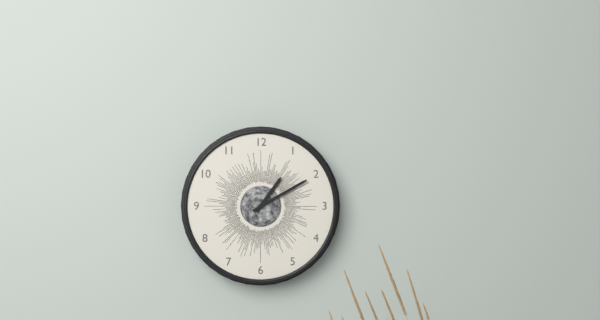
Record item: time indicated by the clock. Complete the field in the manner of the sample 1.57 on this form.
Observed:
1.10
